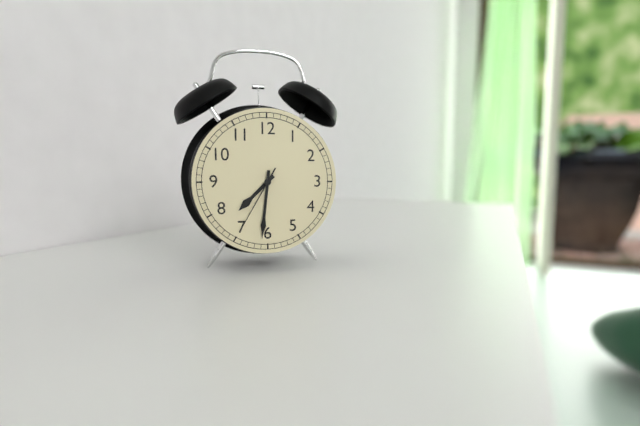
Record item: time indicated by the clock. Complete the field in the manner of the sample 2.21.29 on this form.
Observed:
7.31.35
